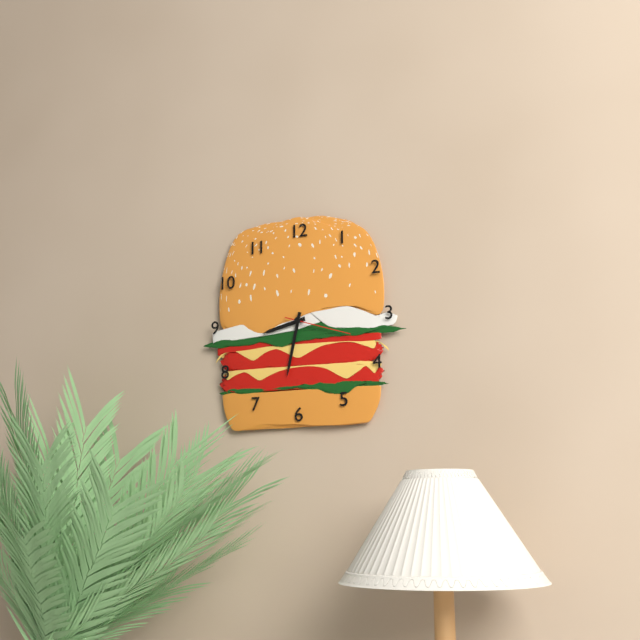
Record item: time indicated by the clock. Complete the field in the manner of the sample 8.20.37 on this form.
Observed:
8.32.18
